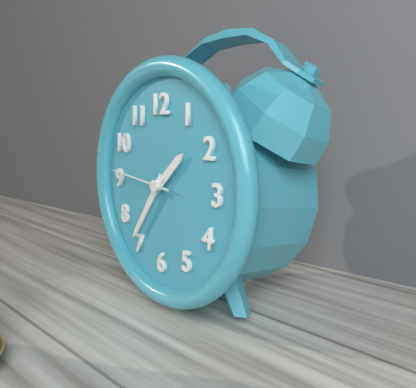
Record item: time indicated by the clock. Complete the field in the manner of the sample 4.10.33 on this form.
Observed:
1.36.46
